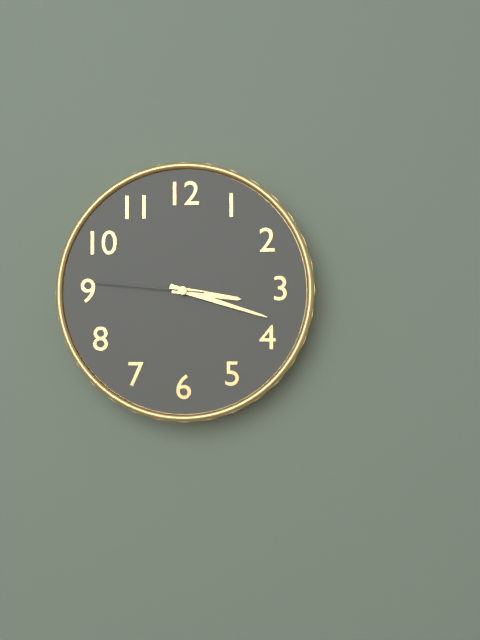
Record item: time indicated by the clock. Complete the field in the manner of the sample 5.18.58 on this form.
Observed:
3.18.46
